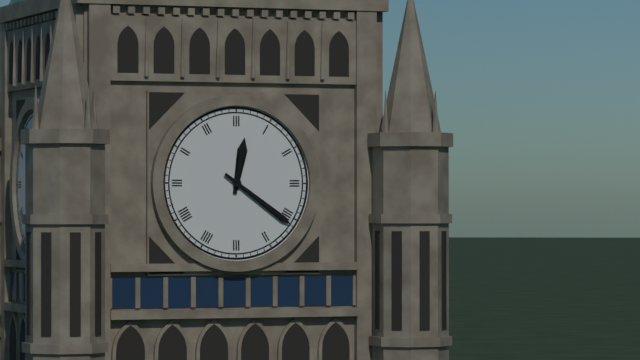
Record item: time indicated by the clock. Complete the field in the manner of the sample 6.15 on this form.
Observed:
12.21
